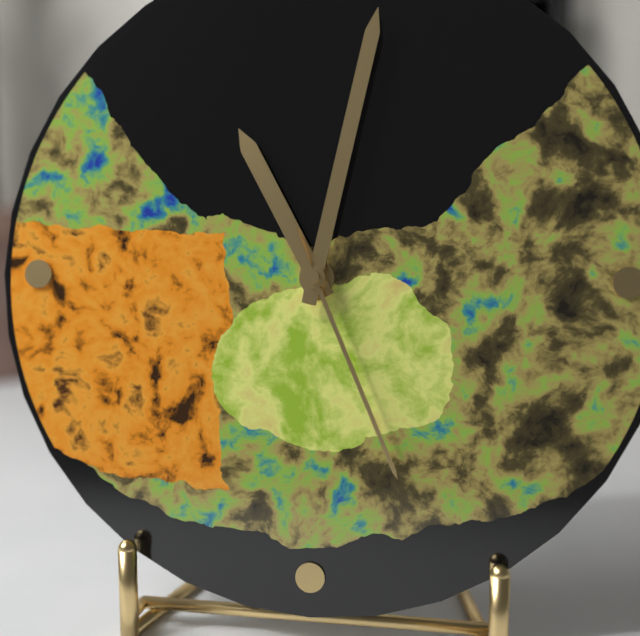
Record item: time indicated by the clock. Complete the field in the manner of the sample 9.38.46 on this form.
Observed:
11.02.26
